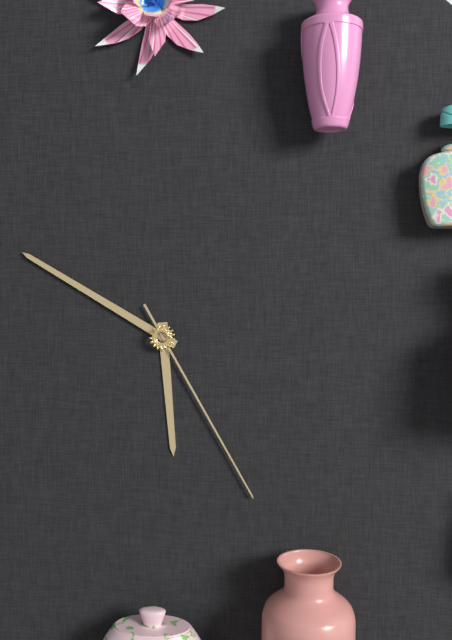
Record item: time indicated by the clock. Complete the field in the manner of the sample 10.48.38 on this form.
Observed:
5.50.25
